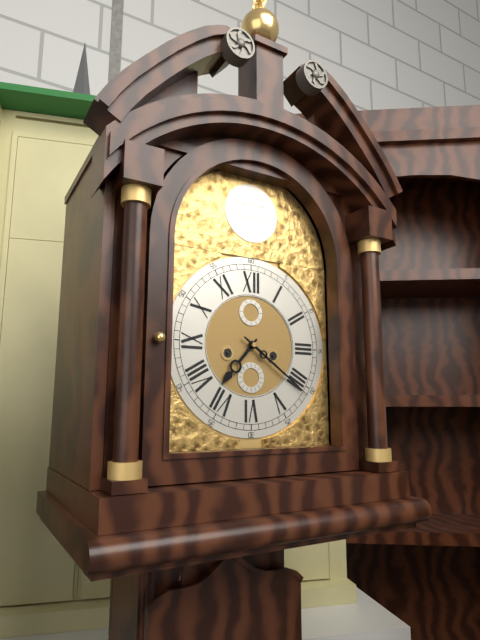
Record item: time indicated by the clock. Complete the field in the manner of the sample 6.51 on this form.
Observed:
7.21
